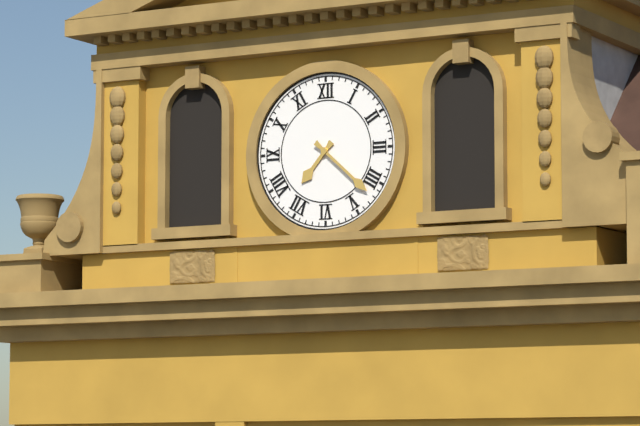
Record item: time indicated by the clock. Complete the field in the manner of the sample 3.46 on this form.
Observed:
7.22
